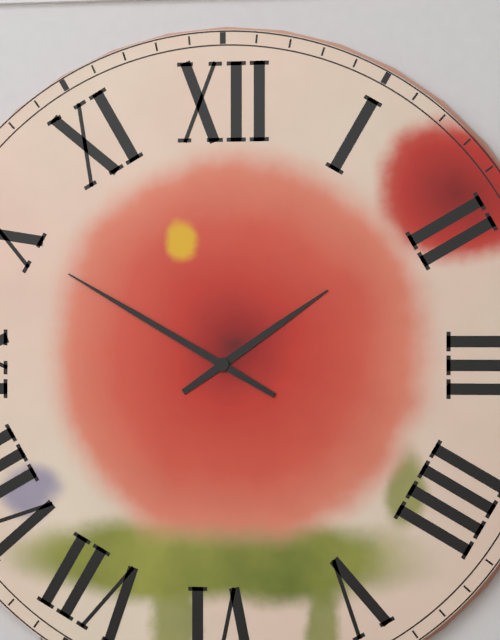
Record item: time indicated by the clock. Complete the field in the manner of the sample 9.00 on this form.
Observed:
1.50
